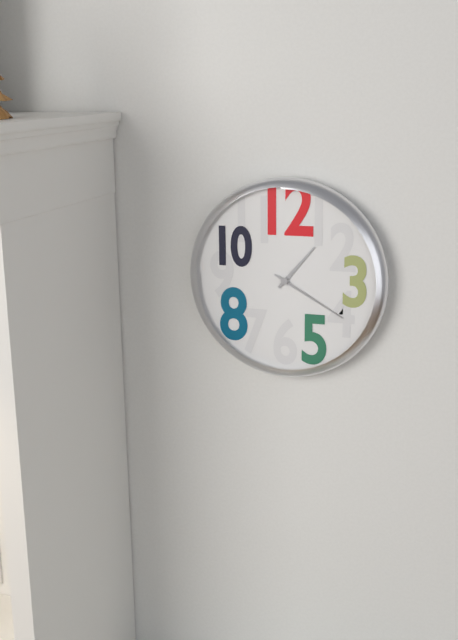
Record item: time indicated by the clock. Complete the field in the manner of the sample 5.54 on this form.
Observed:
1.20
